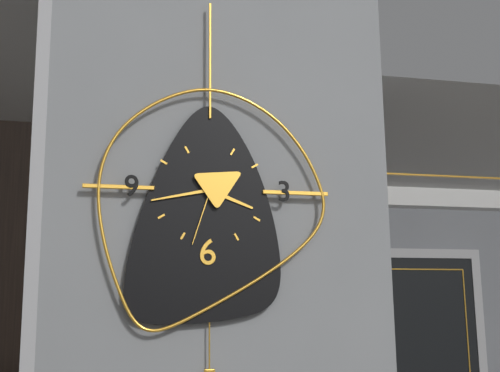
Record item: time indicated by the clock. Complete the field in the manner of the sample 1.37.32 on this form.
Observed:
3.43.33
